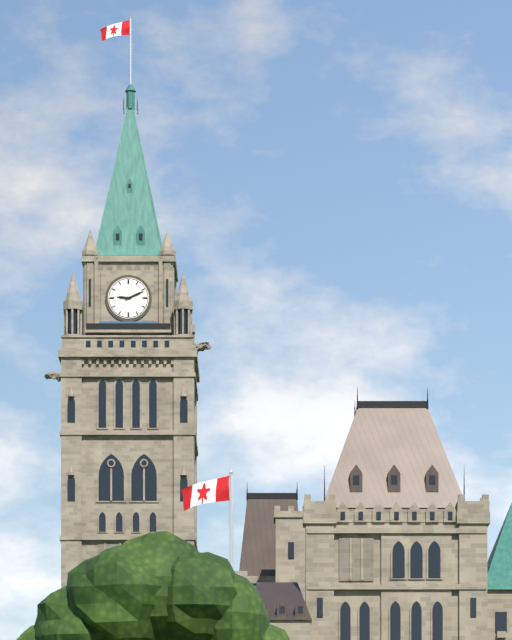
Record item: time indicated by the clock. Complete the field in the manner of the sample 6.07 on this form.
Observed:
9.11
